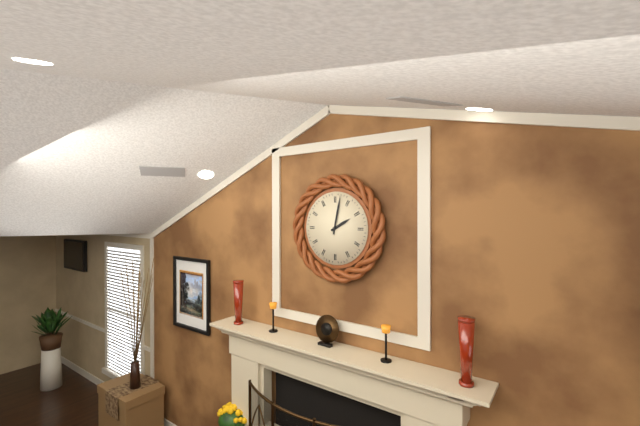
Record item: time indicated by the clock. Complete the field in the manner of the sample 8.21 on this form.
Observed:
2.02
